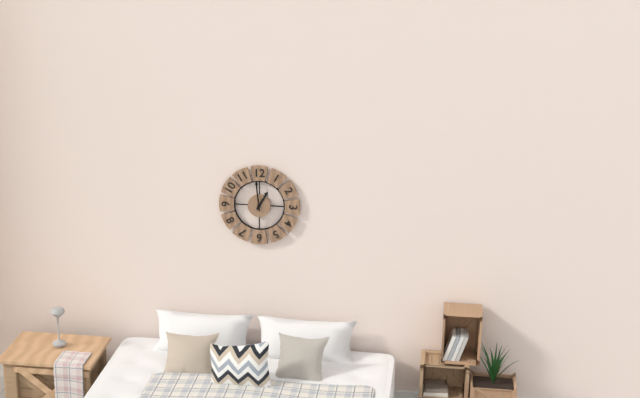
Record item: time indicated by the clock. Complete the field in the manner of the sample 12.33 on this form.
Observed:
12.59
